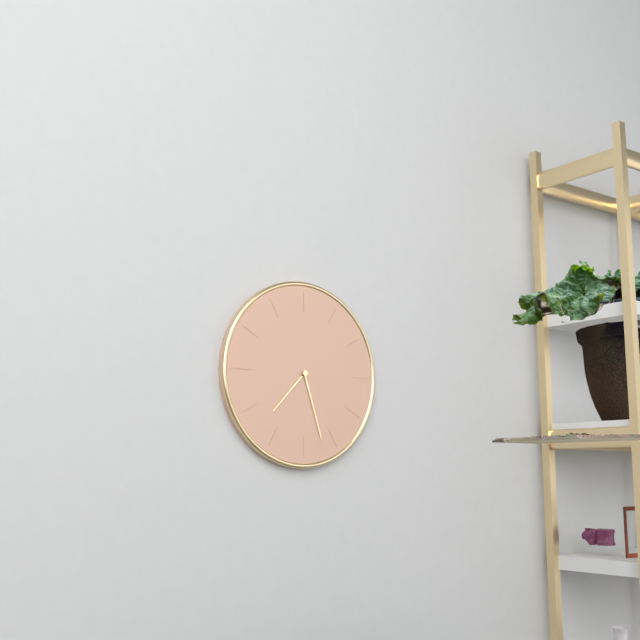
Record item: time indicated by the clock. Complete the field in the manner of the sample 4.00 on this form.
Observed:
7.27
